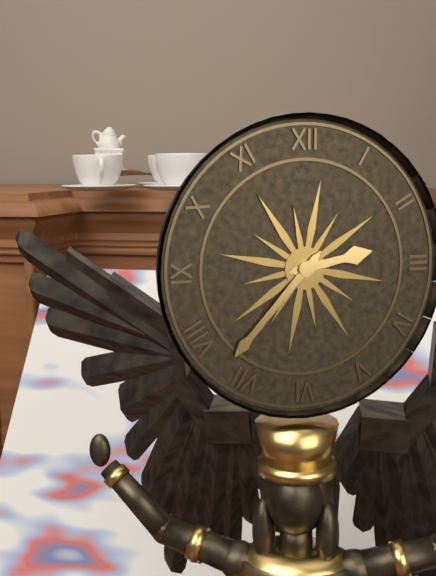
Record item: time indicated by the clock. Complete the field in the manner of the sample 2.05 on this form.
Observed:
2.37
